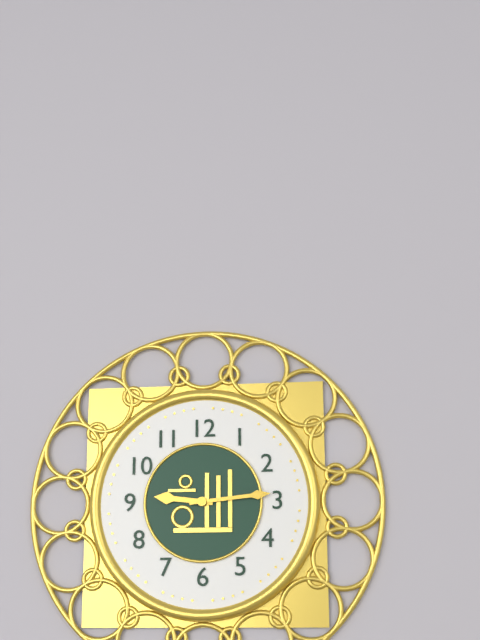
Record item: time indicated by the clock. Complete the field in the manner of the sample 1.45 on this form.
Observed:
9.14
